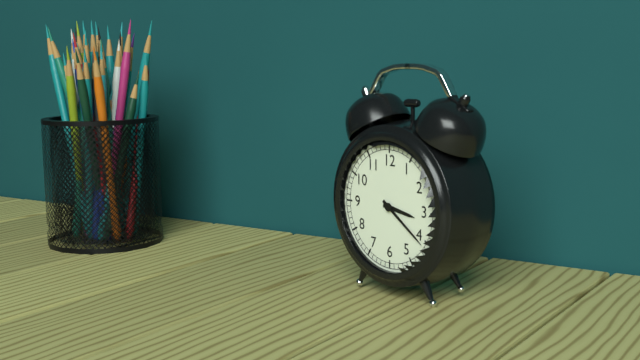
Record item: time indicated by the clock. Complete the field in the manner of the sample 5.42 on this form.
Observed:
3.21
